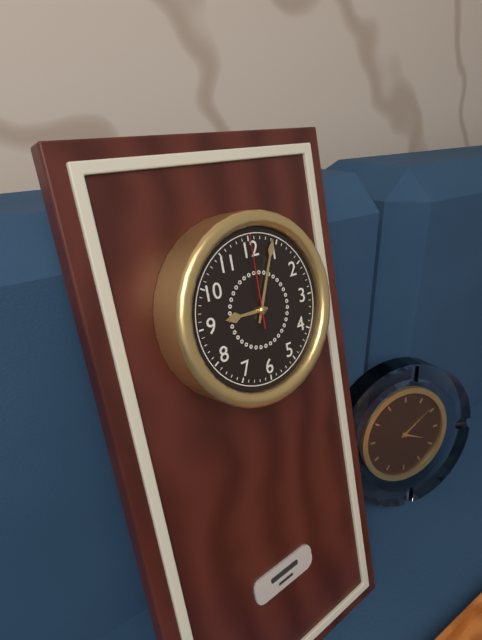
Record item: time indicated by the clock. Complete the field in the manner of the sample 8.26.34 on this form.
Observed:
9.04.00
